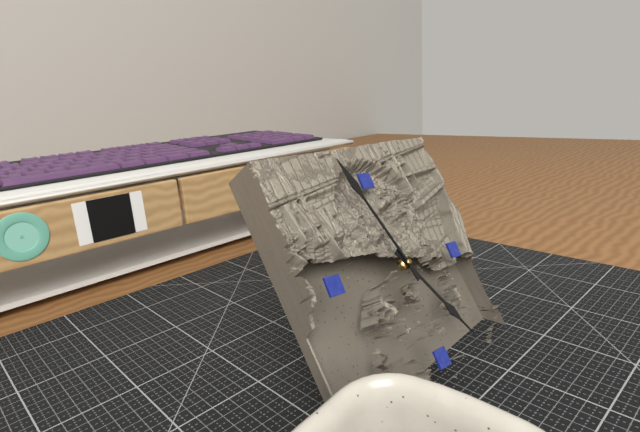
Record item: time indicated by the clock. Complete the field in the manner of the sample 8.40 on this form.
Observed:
4.57
